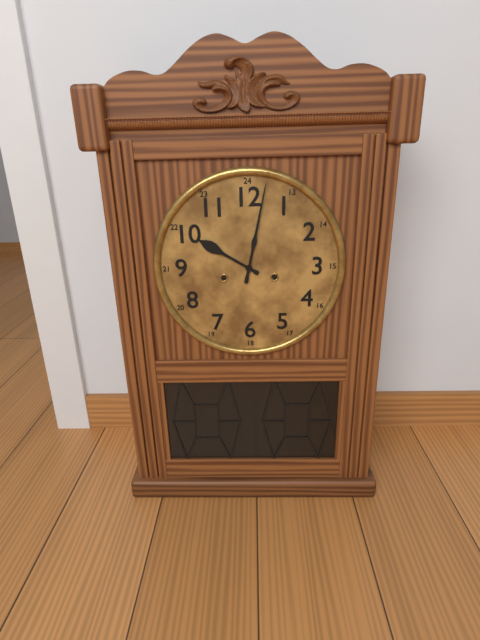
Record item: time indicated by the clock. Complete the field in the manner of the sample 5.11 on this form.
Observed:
10.02
